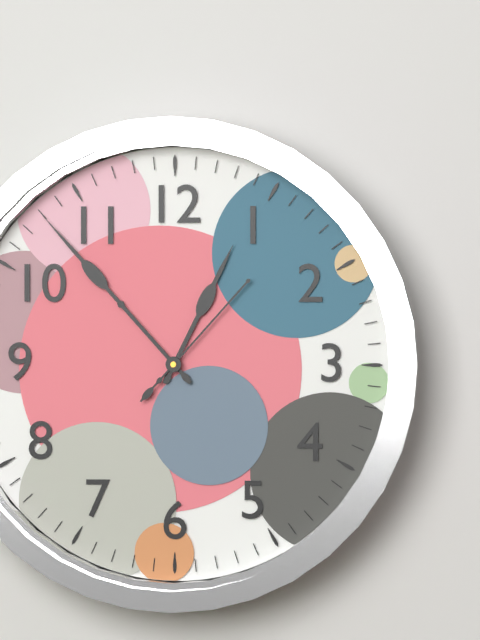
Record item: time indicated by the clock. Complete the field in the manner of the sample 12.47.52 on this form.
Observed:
12.53.07
